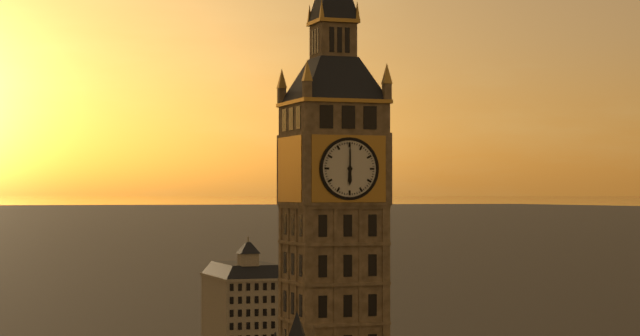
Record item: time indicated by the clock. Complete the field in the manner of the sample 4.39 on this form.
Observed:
6.00
